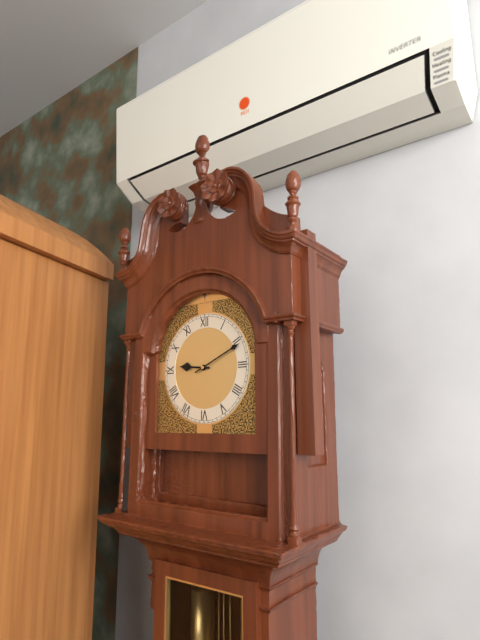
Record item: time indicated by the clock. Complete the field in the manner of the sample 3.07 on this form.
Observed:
9.11
